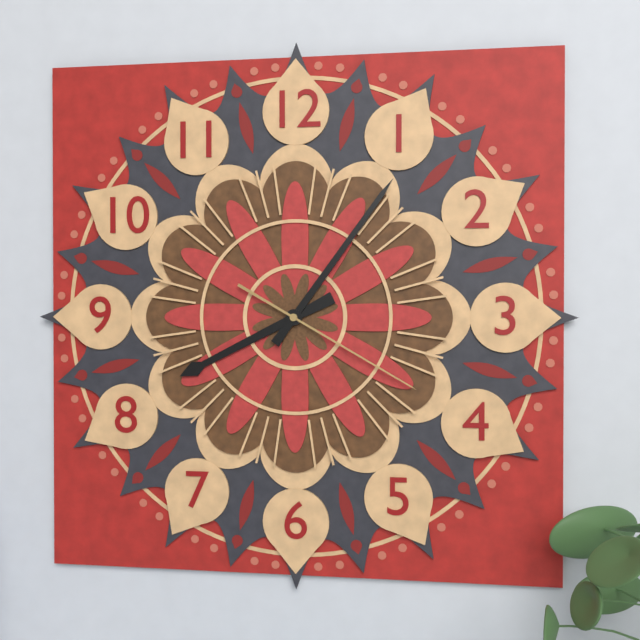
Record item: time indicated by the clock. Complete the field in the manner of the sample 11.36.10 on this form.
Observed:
8.06.20
